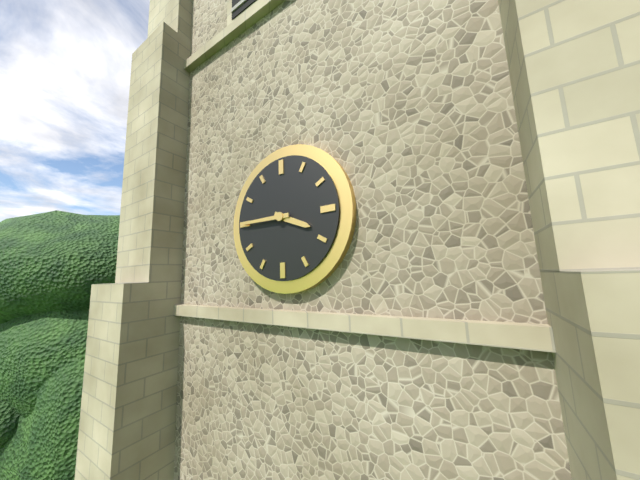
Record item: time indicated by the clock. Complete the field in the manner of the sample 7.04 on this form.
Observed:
3.45
